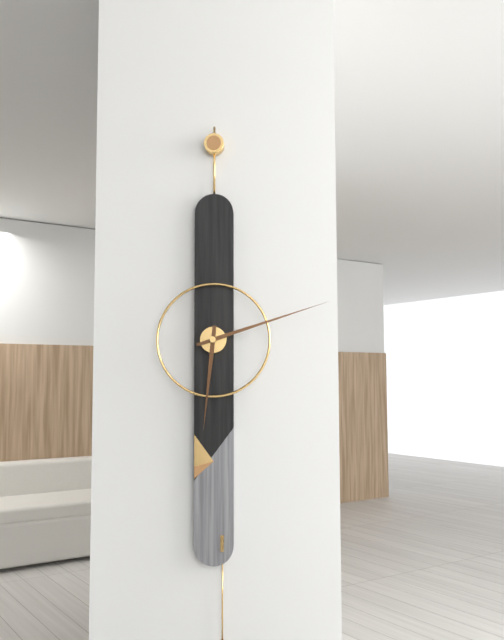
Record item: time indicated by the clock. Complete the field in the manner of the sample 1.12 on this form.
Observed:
6.12
